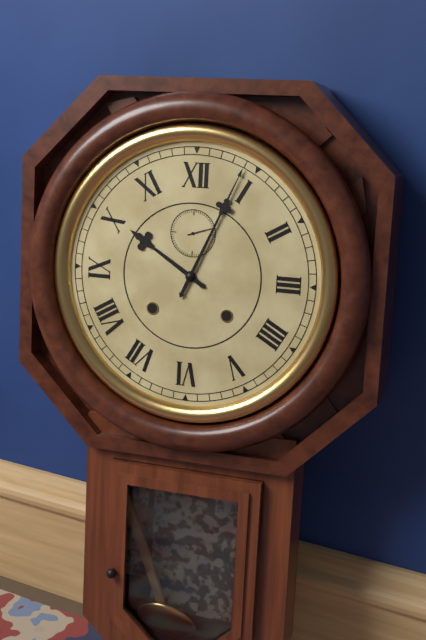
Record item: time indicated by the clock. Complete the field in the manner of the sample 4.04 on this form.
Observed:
10.04
